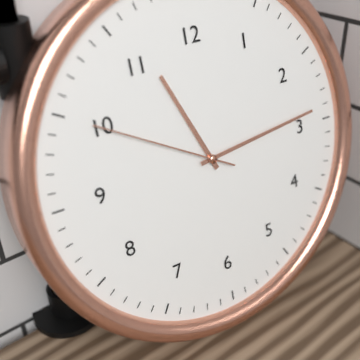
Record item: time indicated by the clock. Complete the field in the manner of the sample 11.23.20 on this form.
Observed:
11.14.50
